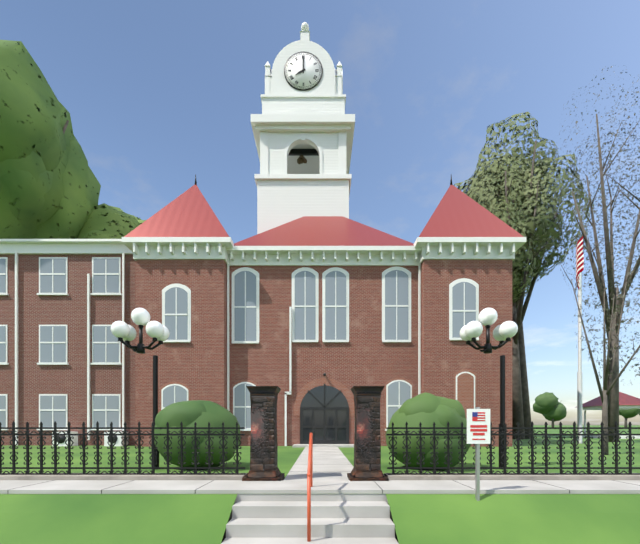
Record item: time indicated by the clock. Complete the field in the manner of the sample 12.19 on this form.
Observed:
8.00
